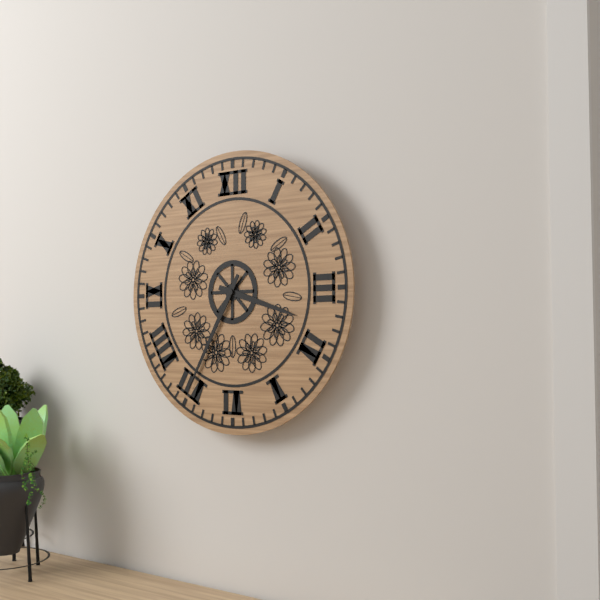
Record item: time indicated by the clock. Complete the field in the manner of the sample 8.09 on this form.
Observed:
3.35
